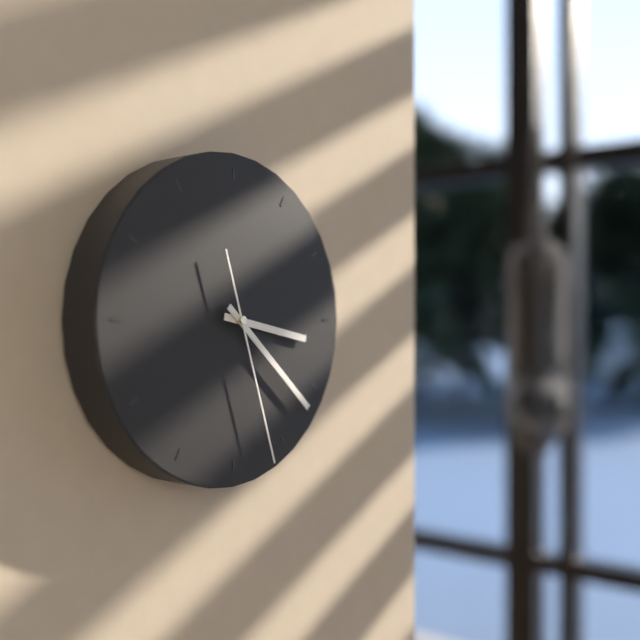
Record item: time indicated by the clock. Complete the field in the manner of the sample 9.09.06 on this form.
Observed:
3.22.27
